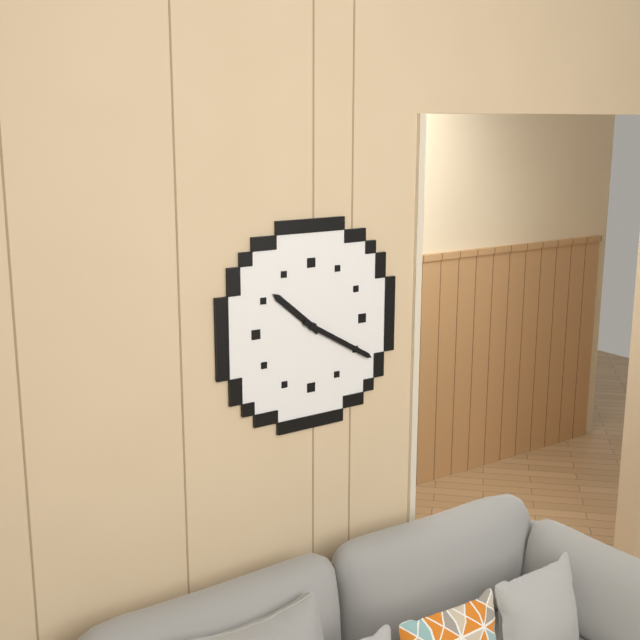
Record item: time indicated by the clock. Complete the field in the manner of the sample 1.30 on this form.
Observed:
10.20
